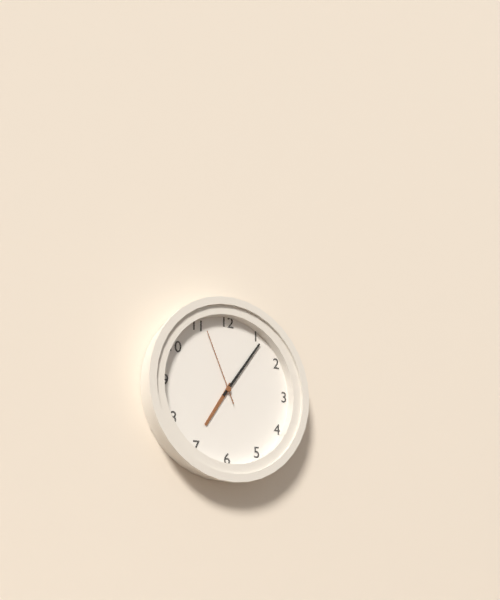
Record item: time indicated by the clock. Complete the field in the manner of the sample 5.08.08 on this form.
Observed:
7.06.56
